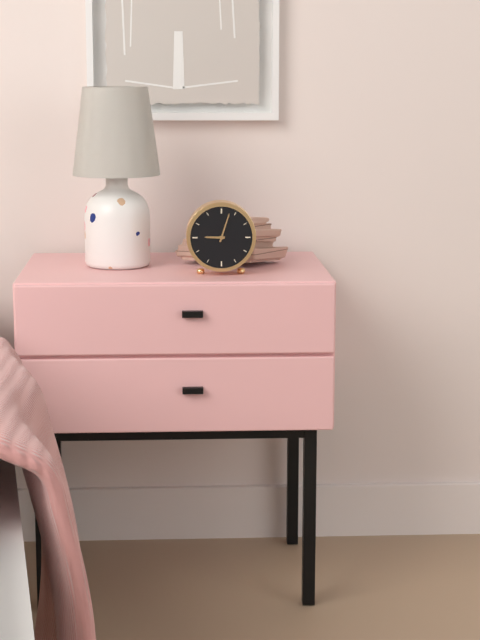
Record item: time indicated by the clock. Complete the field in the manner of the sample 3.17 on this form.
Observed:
9.03
